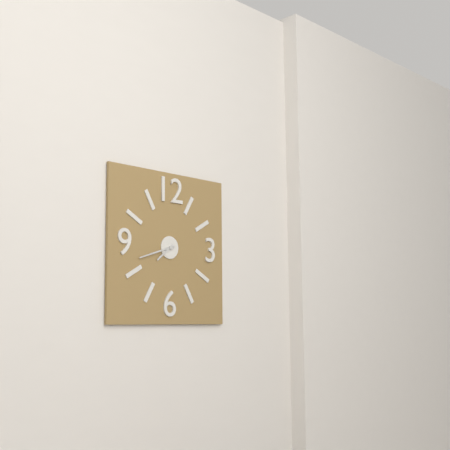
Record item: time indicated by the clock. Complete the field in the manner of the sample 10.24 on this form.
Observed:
7.42
